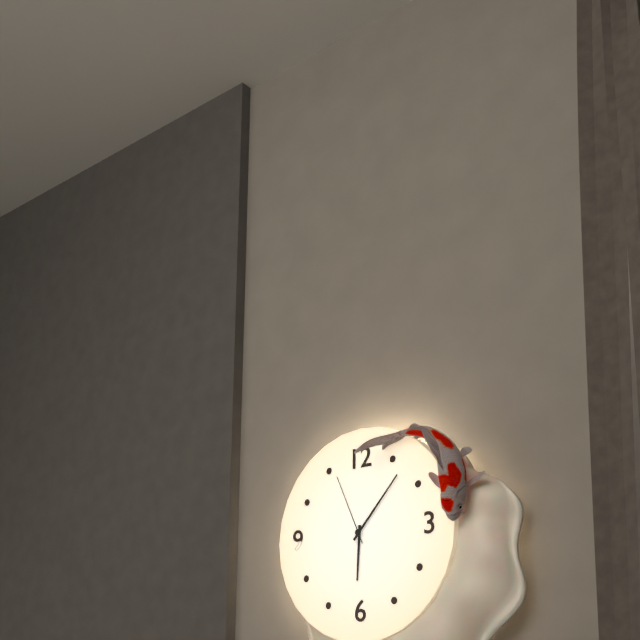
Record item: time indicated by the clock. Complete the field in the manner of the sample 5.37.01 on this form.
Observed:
6.07.56
